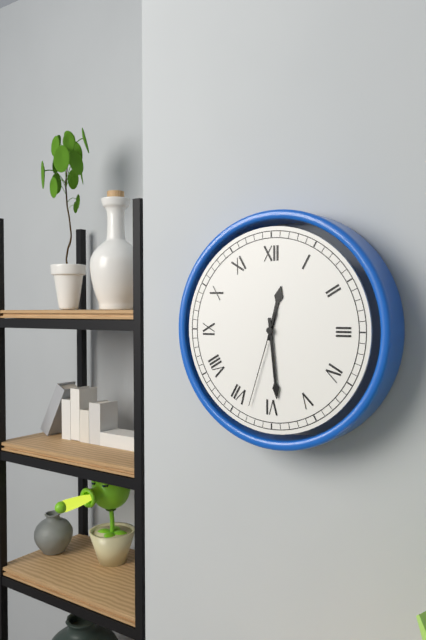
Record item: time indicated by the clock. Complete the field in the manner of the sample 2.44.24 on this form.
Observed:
12.29.33
